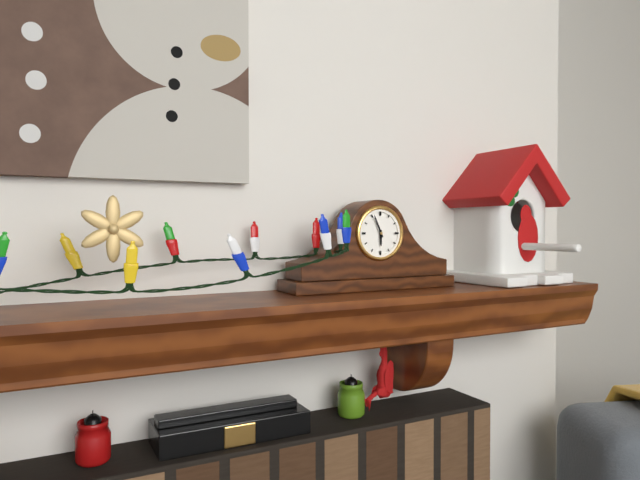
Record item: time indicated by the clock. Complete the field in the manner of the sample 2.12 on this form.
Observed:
5.56
